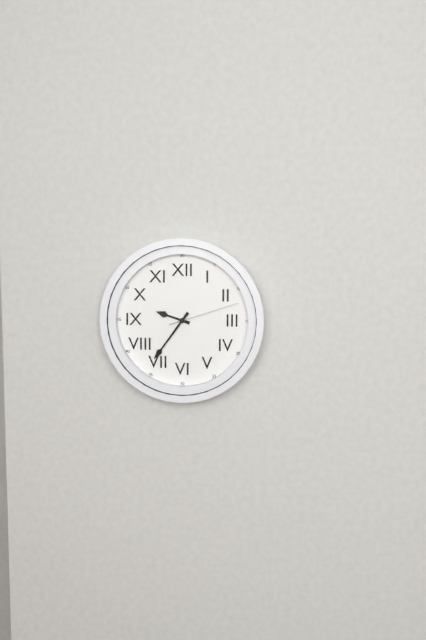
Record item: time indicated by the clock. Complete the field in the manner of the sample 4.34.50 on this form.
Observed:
9.36.12
